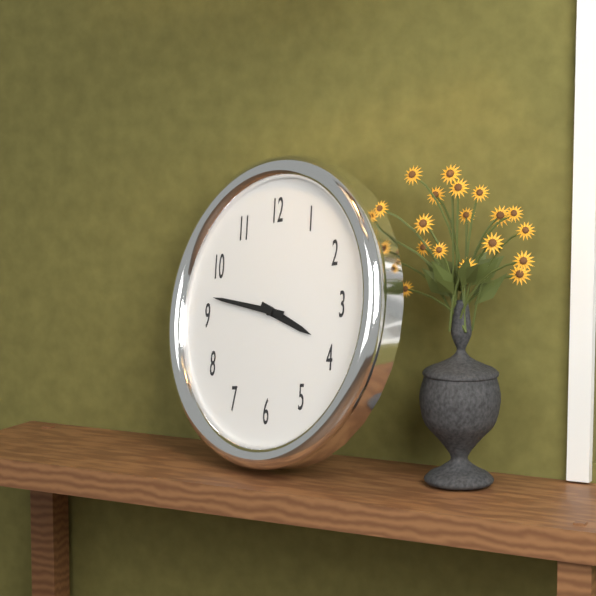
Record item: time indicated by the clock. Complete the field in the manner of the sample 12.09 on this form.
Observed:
3.47
